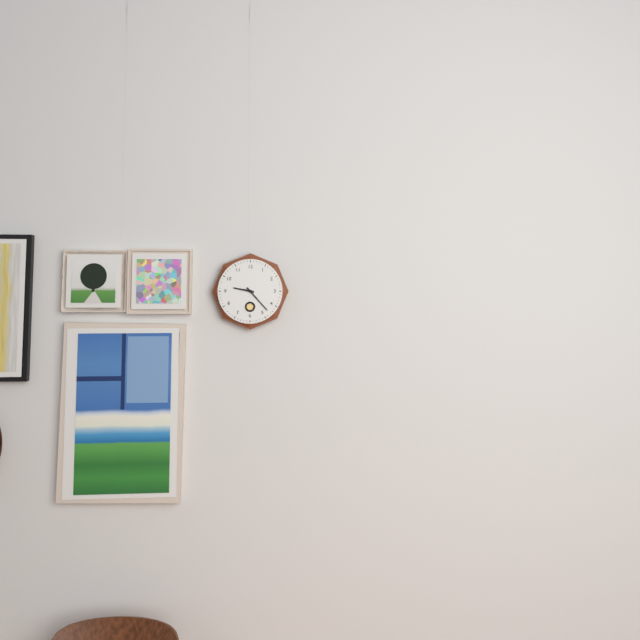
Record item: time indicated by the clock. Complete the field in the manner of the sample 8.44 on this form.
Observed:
9.23
